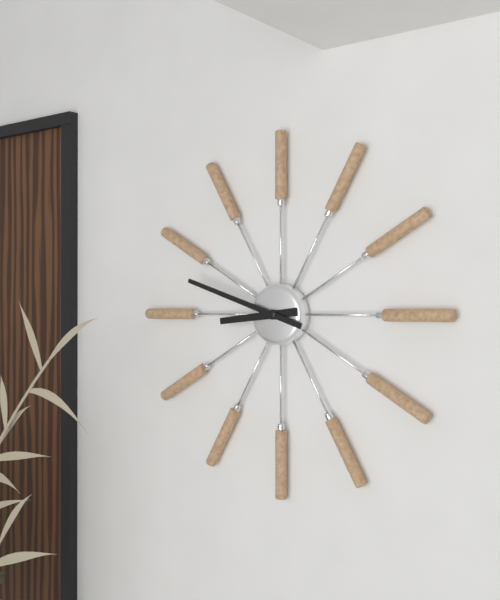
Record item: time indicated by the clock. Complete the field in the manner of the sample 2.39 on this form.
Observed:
8.48
